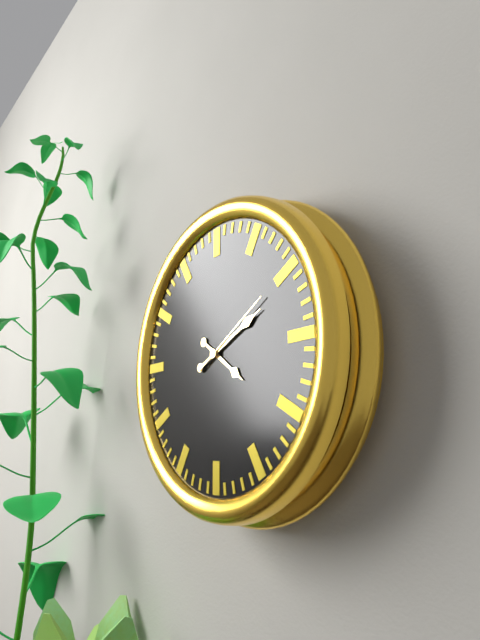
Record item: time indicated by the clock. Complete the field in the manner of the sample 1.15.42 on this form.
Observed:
4.11.10
